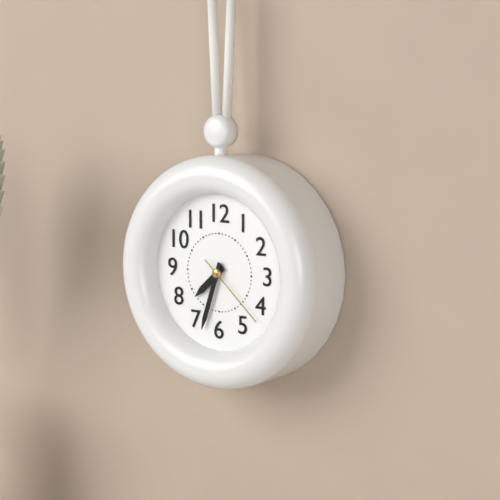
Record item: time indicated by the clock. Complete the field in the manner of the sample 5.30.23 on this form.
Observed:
7.33.22
